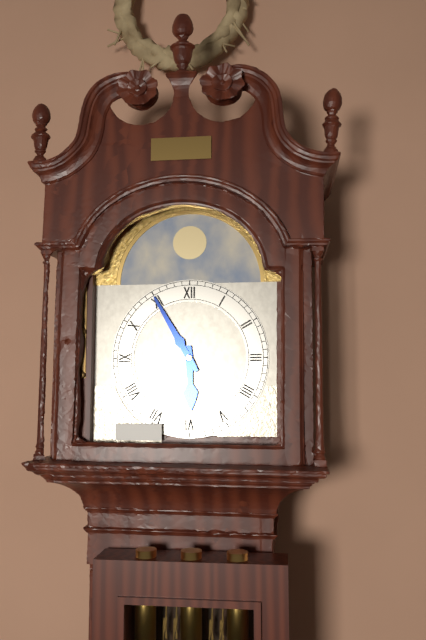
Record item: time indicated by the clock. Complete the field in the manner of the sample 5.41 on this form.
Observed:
5.55
